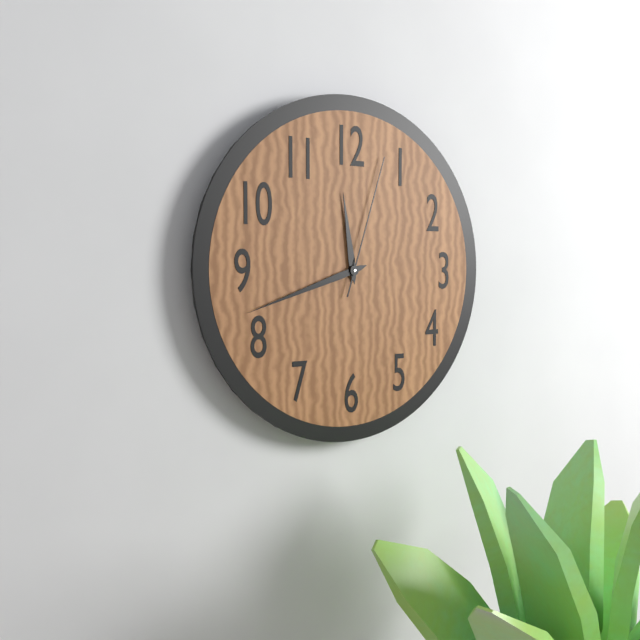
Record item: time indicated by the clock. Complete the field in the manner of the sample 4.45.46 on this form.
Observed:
11.42.03
